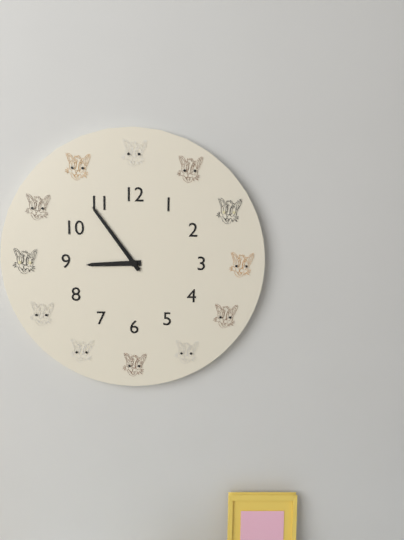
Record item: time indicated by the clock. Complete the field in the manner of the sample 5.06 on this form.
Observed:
8.54
